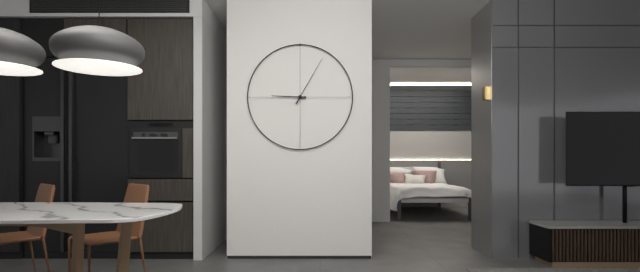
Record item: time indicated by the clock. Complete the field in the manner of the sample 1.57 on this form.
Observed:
9.05
